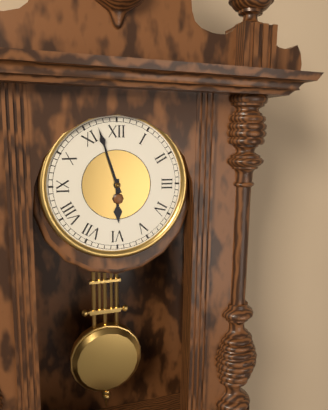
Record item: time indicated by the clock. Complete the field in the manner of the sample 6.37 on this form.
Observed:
5.57
